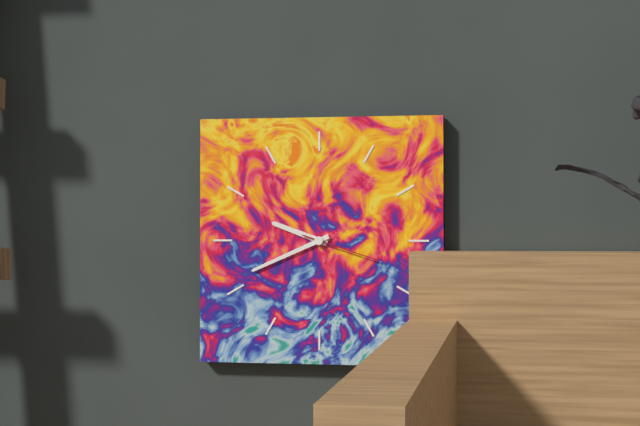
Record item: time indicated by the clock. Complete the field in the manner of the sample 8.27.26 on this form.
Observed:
9.41.18
